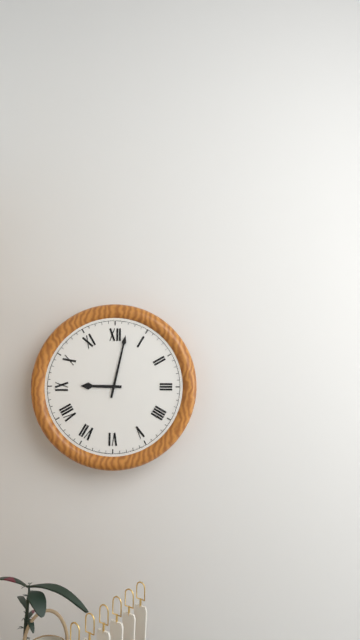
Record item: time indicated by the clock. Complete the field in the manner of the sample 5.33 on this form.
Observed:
9.02
